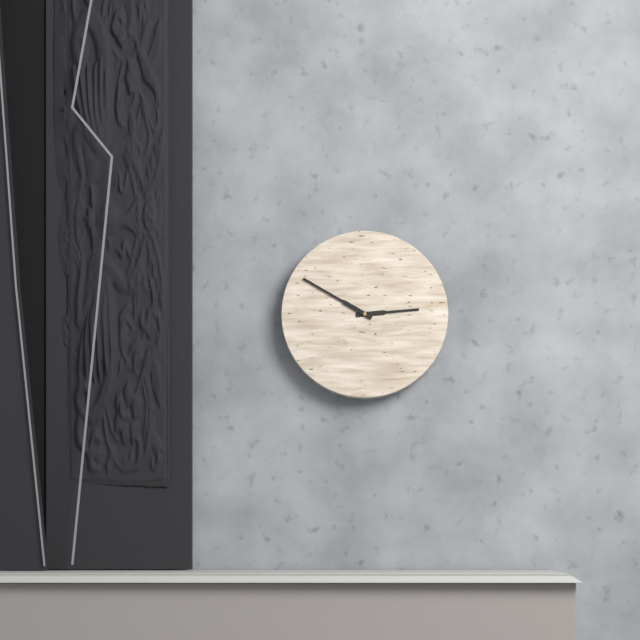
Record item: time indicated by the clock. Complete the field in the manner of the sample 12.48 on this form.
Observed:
2.50
